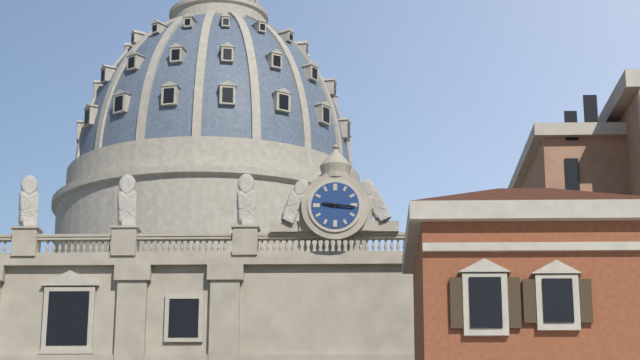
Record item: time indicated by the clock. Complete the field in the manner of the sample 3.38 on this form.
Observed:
9.16
